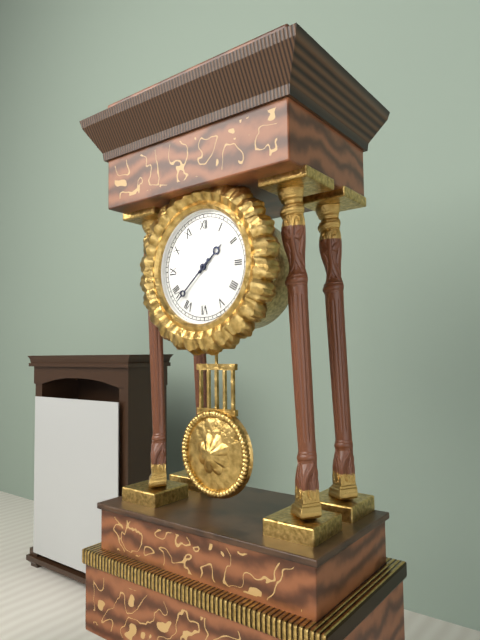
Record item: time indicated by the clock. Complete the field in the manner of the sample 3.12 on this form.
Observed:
1.38
